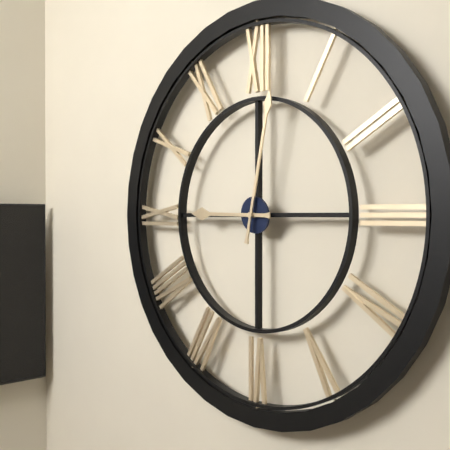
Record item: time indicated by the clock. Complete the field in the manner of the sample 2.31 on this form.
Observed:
9.02
